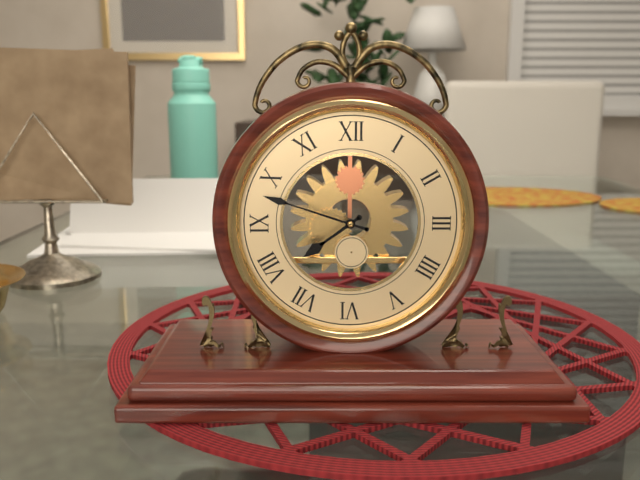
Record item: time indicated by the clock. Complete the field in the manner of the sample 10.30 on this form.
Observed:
7.48
